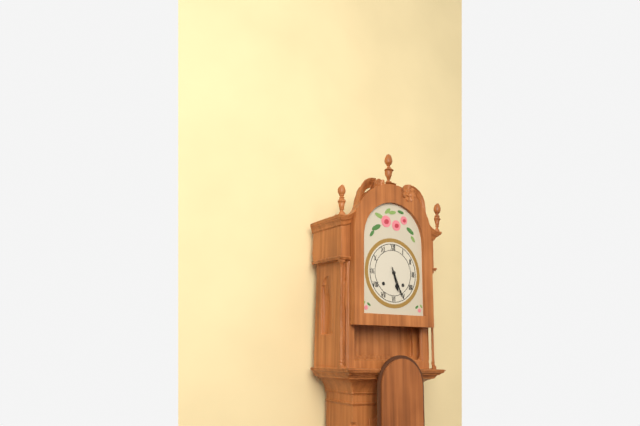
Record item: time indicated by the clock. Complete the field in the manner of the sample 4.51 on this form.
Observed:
5.26
